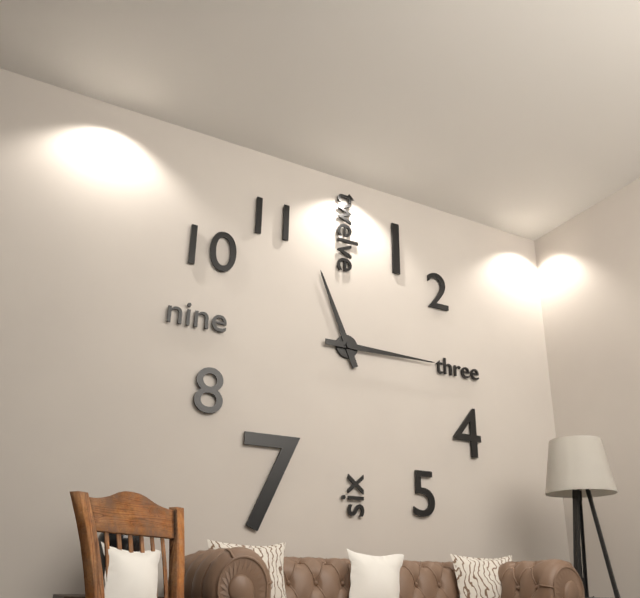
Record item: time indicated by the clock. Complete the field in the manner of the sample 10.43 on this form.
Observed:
11.15
